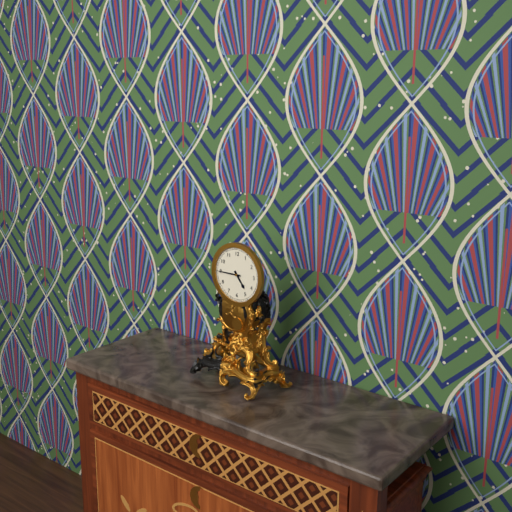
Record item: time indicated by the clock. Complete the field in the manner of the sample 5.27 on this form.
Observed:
4.45
